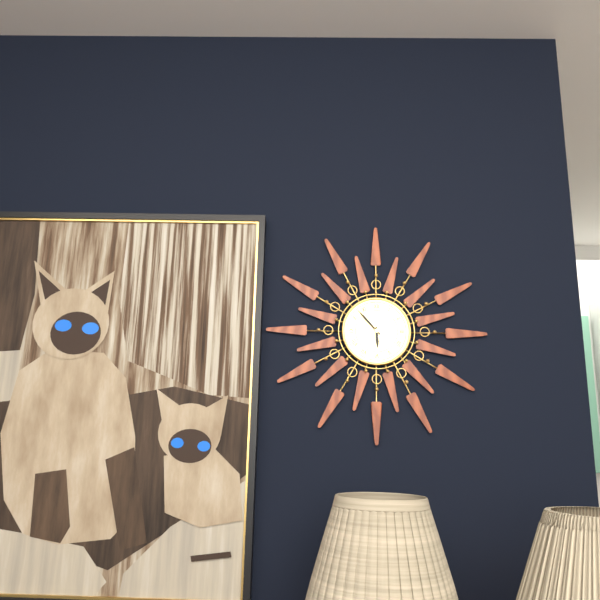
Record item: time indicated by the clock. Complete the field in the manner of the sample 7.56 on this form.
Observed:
5.53
